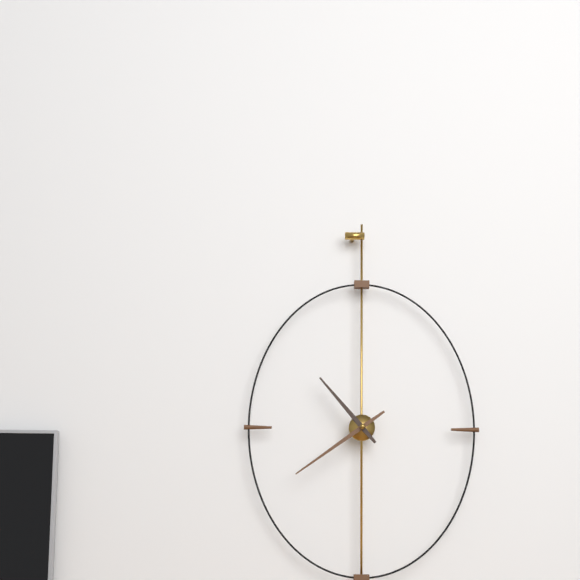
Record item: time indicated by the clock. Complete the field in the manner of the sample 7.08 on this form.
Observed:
10.39
